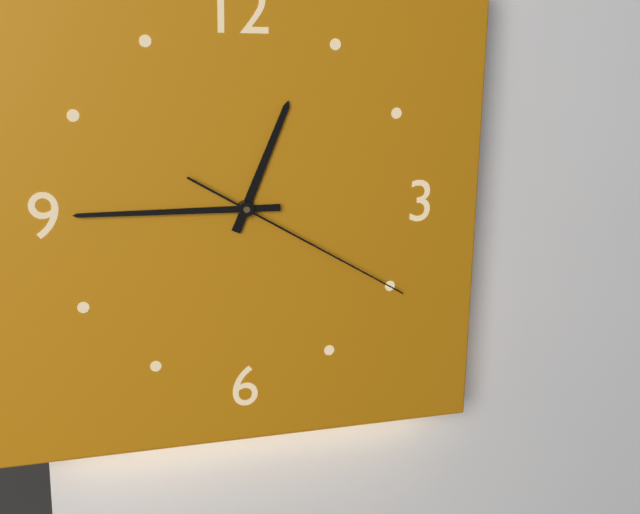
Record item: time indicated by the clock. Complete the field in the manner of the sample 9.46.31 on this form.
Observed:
12.45.20
